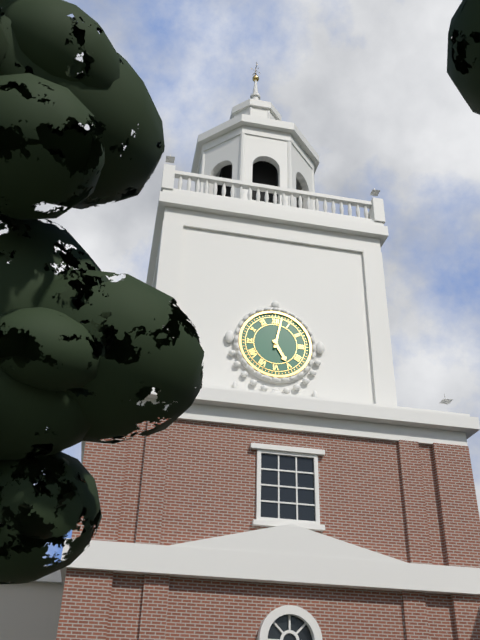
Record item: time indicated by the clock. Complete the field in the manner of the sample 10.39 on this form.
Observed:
5.02
